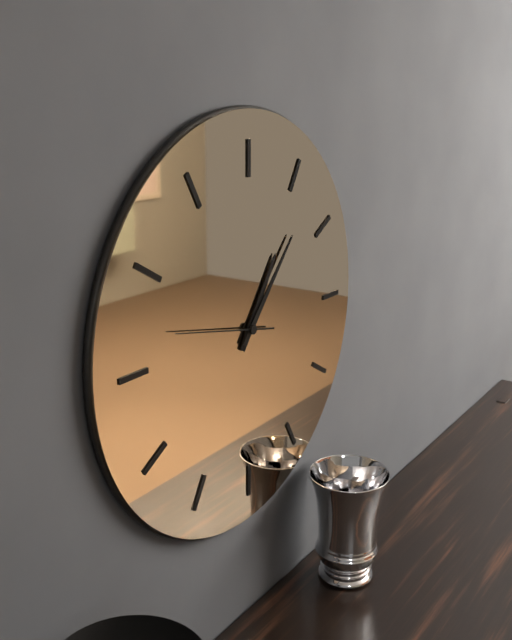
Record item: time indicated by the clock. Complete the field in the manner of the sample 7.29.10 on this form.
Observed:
1.07.47
